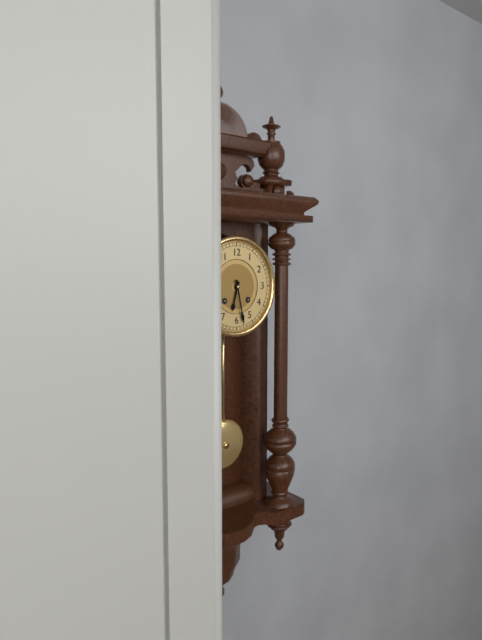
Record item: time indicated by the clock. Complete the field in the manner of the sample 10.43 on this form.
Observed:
6.28
